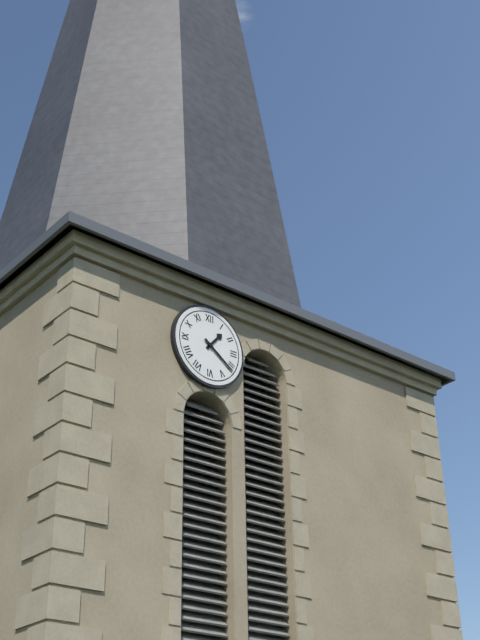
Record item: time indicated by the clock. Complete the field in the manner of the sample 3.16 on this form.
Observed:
1.21
